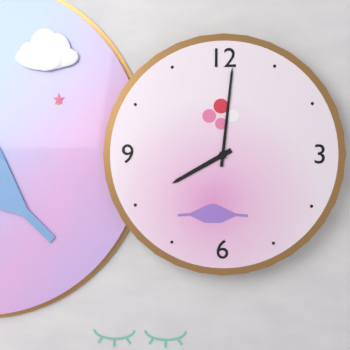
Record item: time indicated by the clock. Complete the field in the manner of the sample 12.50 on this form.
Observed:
8.01
